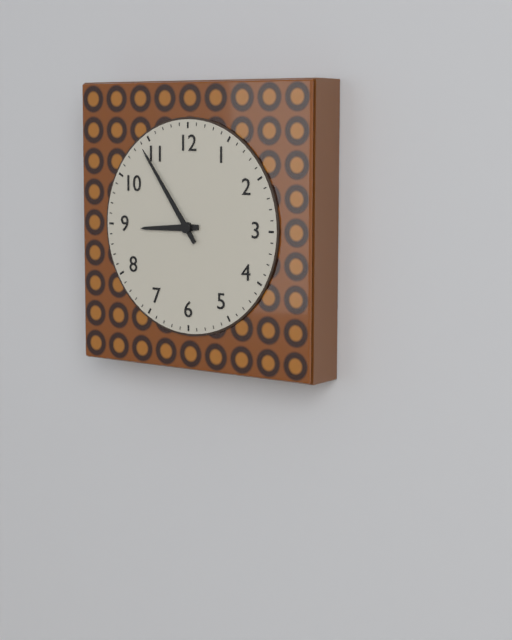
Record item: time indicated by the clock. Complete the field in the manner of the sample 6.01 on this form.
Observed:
8.54
